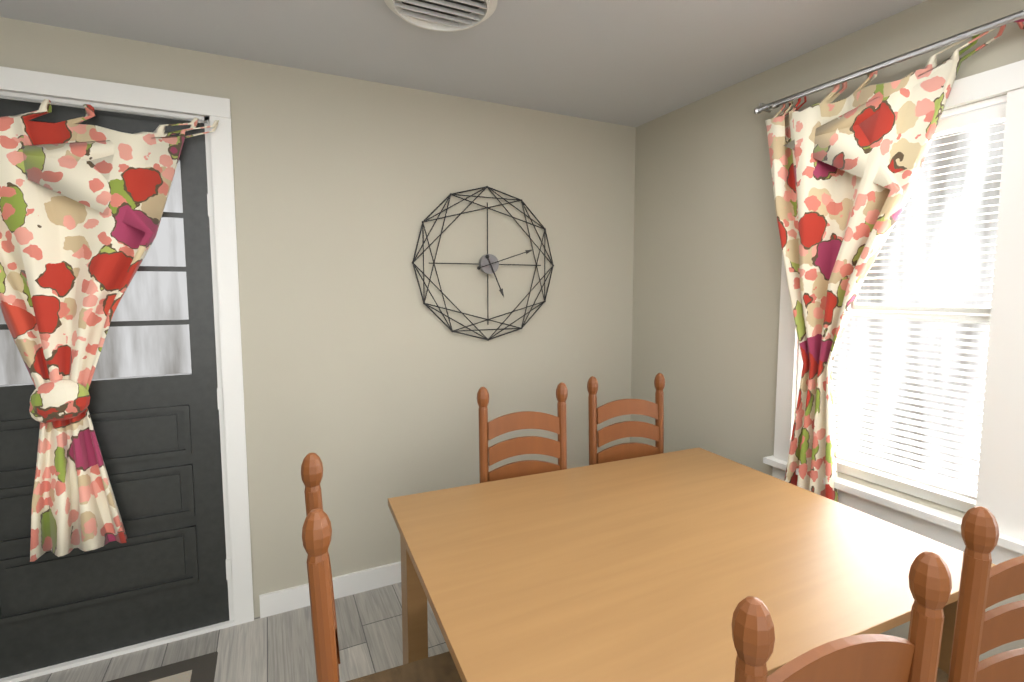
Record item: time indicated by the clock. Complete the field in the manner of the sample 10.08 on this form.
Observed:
5.12
